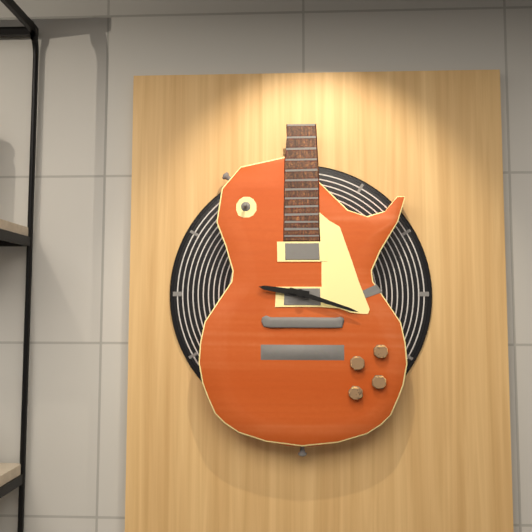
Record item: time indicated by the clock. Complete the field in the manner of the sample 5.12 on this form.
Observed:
9.18
